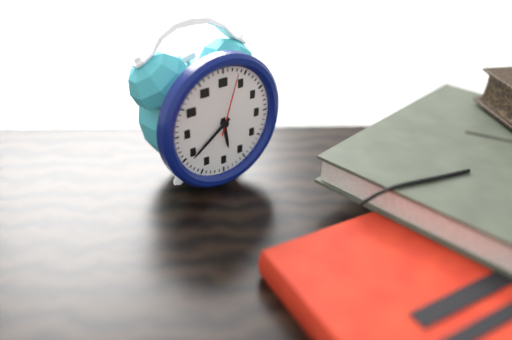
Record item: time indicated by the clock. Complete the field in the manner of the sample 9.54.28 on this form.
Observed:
5.39.03
